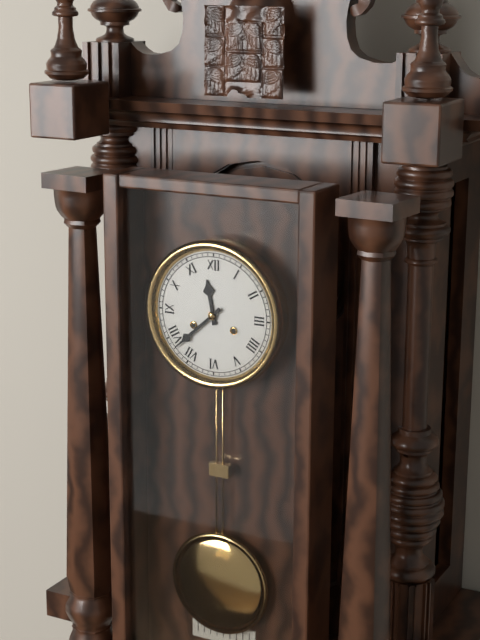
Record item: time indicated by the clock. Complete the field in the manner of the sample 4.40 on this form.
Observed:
11.38
